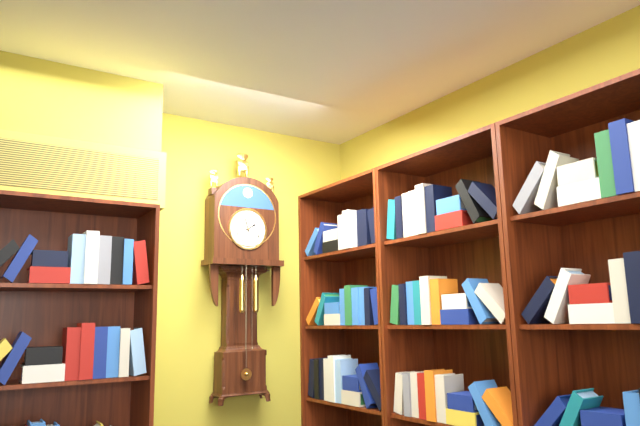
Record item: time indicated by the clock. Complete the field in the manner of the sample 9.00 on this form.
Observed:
1.57
